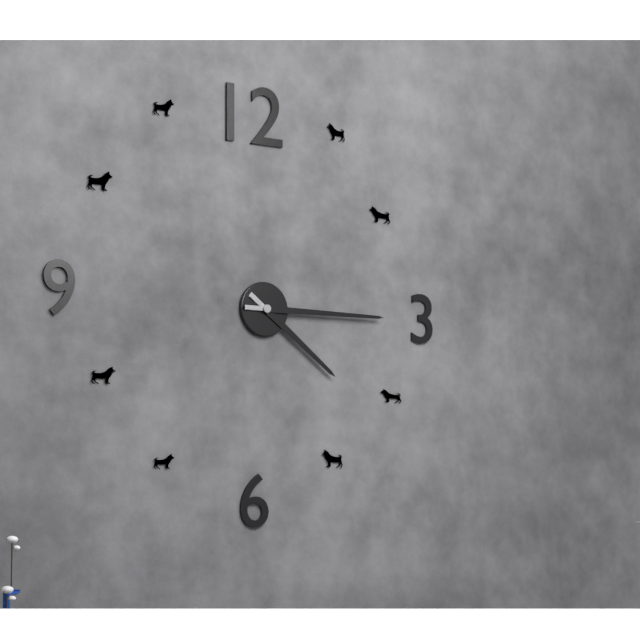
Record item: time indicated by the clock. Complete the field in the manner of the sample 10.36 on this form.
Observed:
4.15
